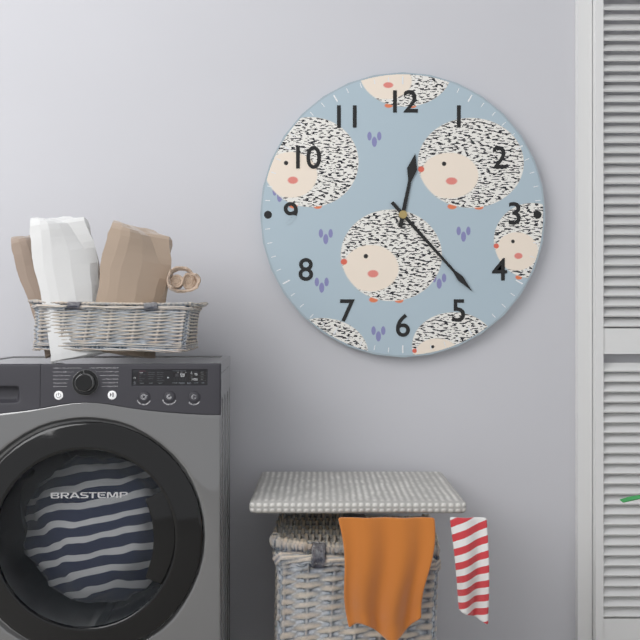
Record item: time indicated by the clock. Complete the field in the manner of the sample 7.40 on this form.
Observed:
12.23
